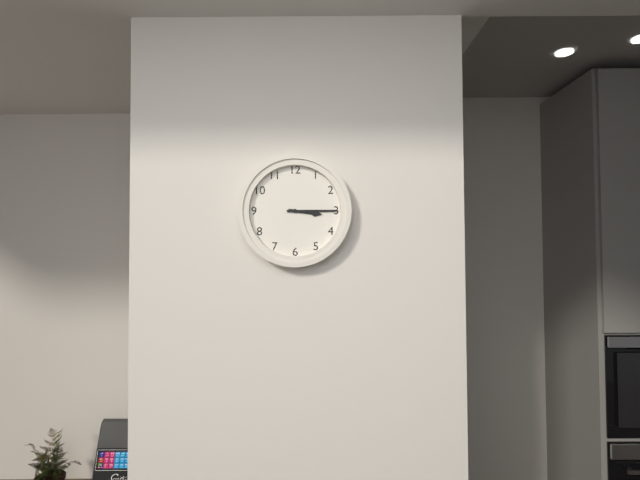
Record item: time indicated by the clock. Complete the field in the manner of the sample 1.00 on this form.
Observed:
3.15
